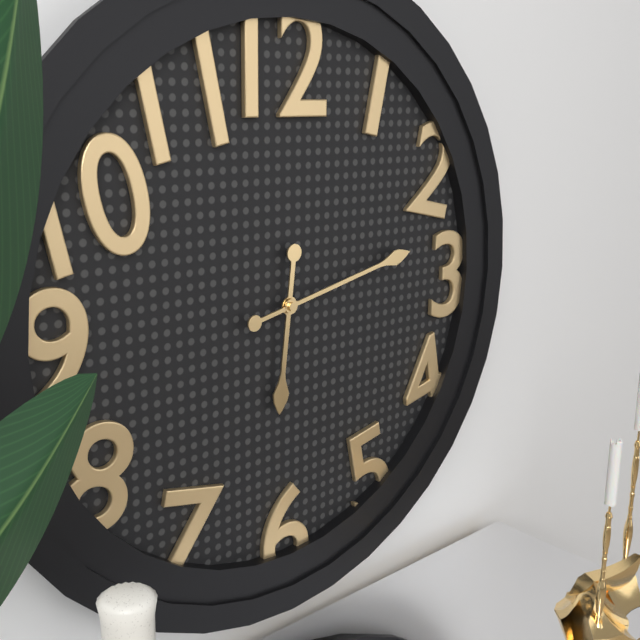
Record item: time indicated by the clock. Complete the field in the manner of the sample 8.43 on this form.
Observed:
6.13
